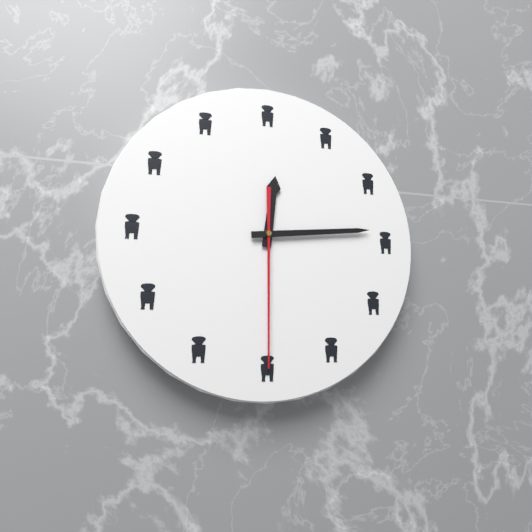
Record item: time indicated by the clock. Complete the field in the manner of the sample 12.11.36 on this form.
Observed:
12.14.30
